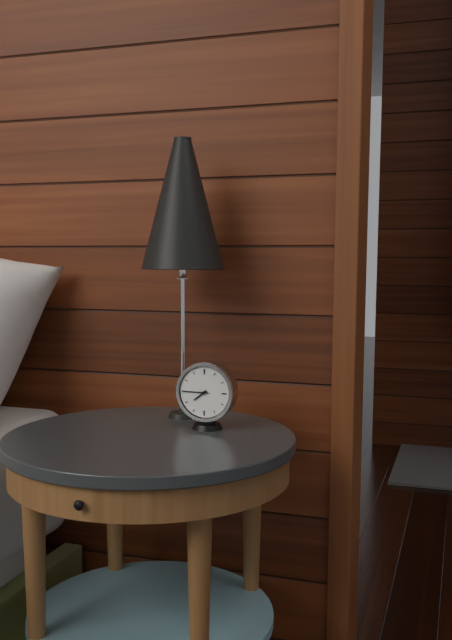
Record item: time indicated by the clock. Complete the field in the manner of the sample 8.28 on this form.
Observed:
7.45
